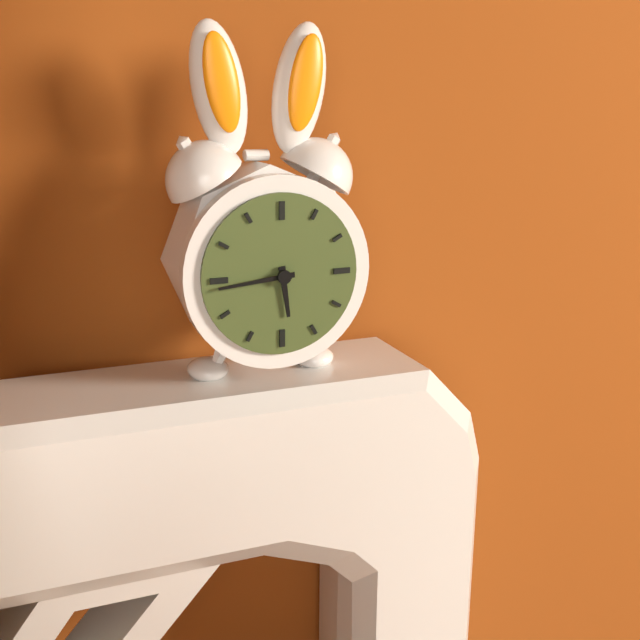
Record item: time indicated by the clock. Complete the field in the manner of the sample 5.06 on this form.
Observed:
5.44
